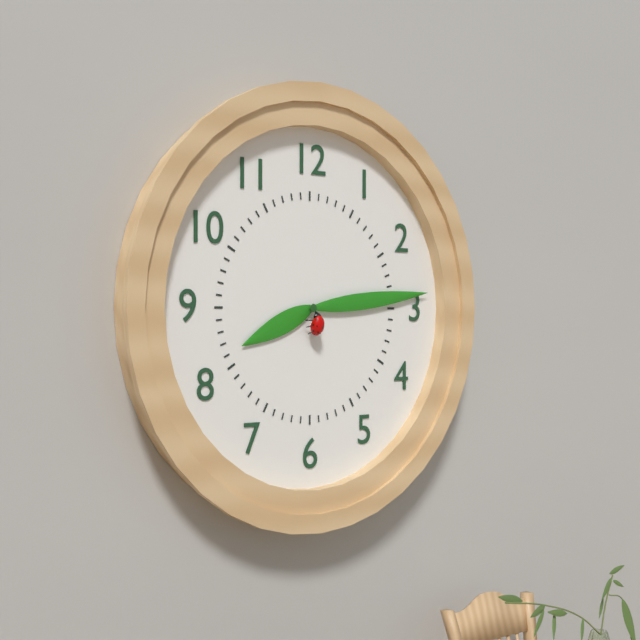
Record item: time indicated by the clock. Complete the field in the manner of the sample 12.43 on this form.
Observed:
8.14
